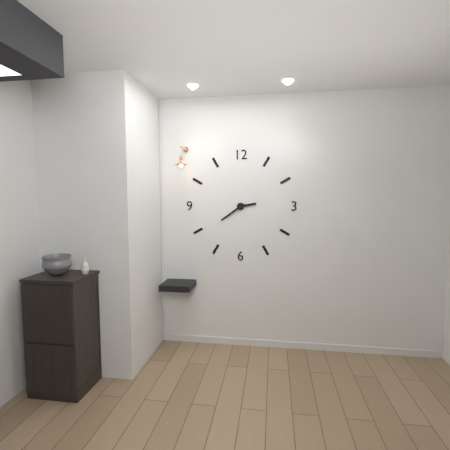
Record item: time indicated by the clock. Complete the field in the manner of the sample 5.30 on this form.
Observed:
2.39
